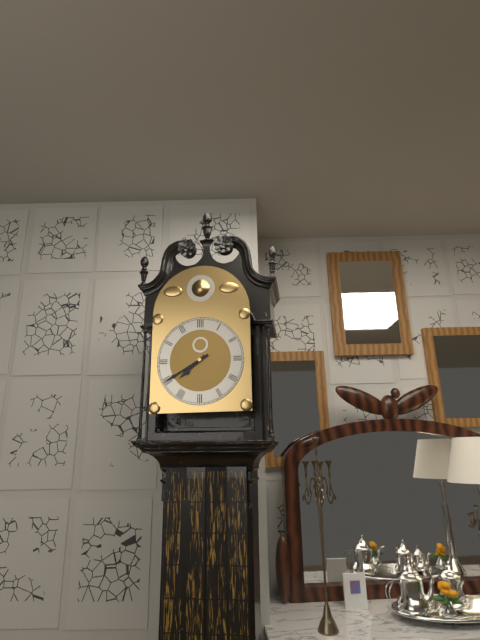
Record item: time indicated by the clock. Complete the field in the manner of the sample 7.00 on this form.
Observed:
7.40
